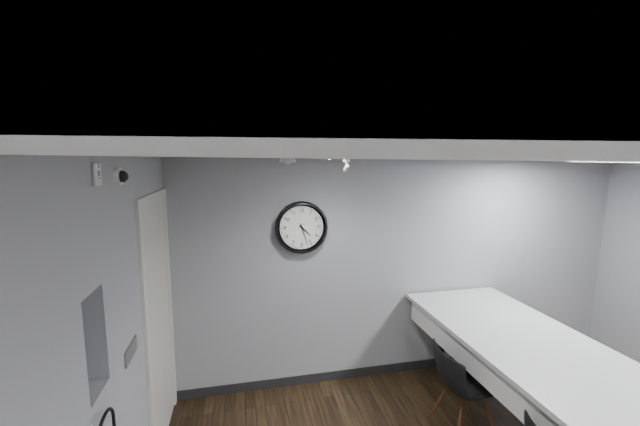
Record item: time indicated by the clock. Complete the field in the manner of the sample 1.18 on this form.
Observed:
4.27
